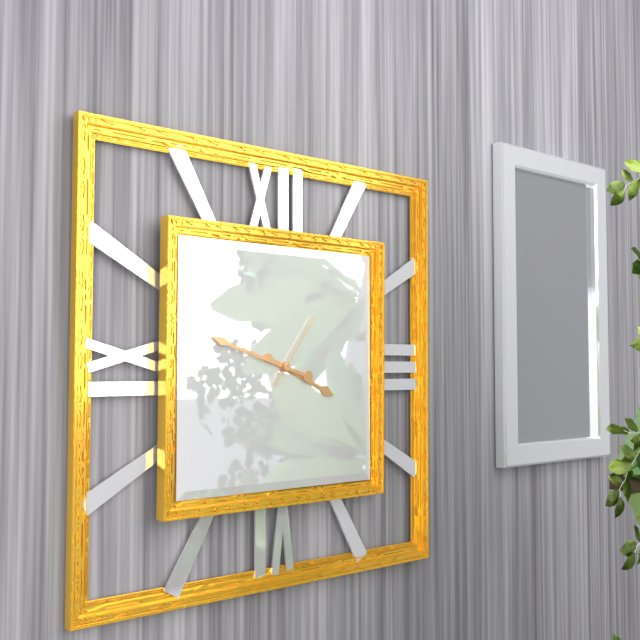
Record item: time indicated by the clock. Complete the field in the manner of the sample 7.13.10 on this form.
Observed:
3.48.06
